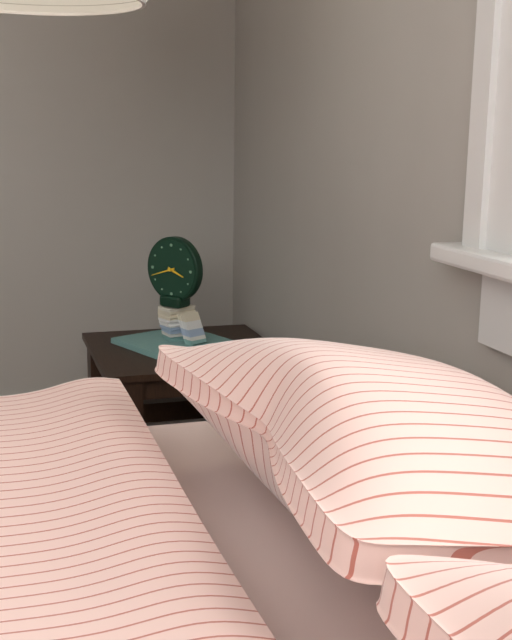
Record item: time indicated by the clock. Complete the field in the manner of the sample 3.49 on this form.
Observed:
3.42
